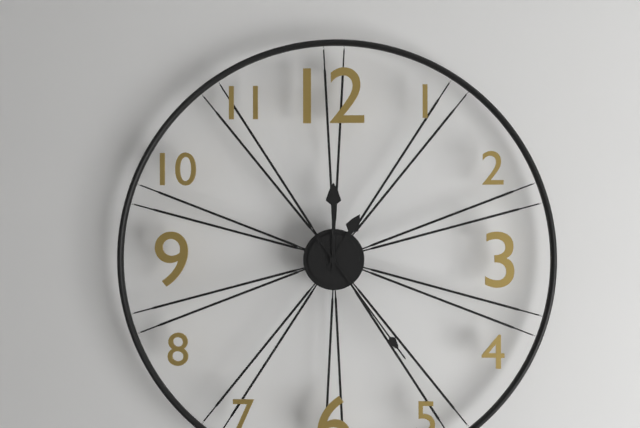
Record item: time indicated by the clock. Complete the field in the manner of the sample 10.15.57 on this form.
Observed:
1.00.24
